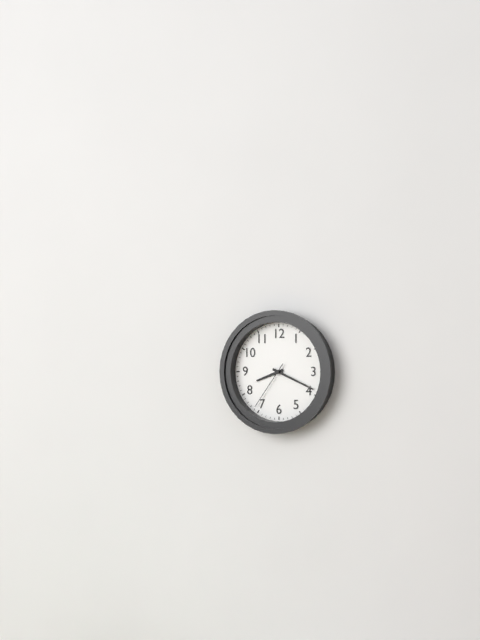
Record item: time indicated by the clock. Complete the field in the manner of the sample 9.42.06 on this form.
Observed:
8.19.36
